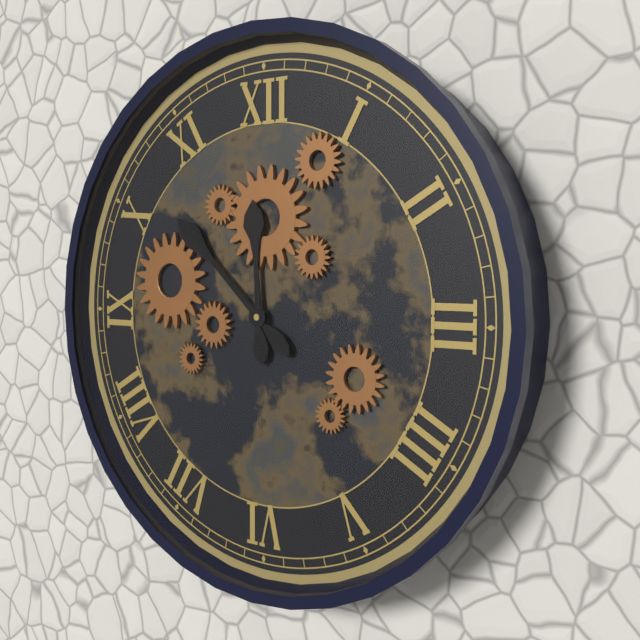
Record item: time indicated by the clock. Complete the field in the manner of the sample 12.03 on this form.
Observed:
11.52
